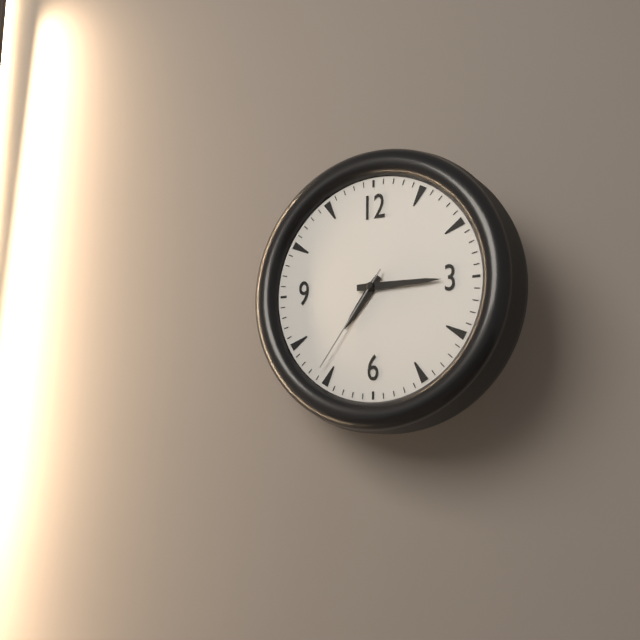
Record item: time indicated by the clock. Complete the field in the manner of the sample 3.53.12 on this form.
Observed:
7.15.36
